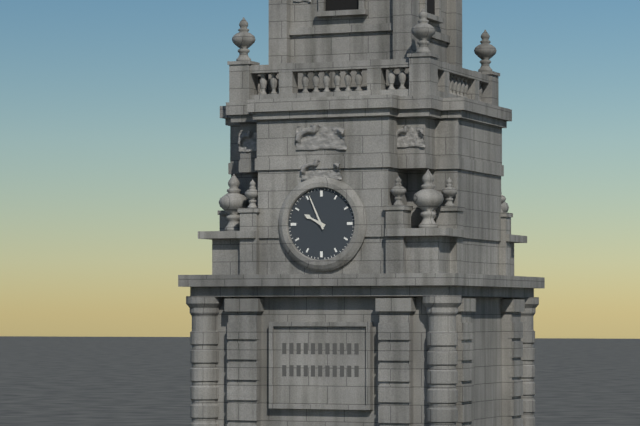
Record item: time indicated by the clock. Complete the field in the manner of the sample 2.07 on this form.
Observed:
9.56
